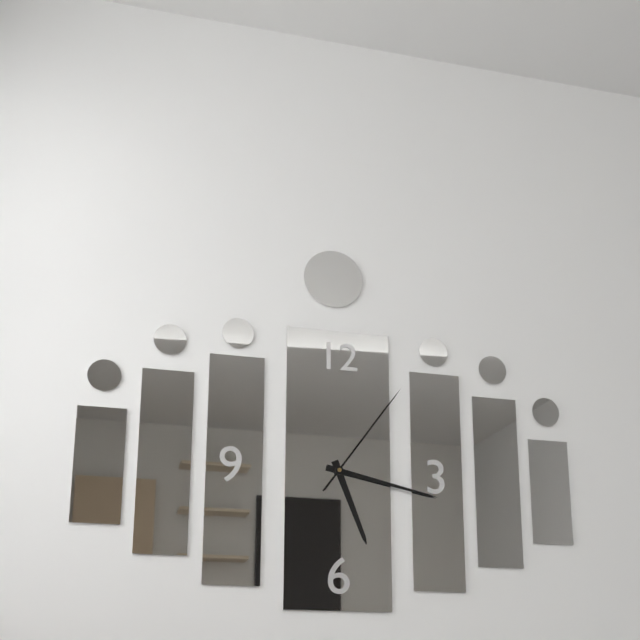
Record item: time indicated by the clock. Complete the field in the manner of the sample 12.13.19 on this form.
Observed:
5.17.06
